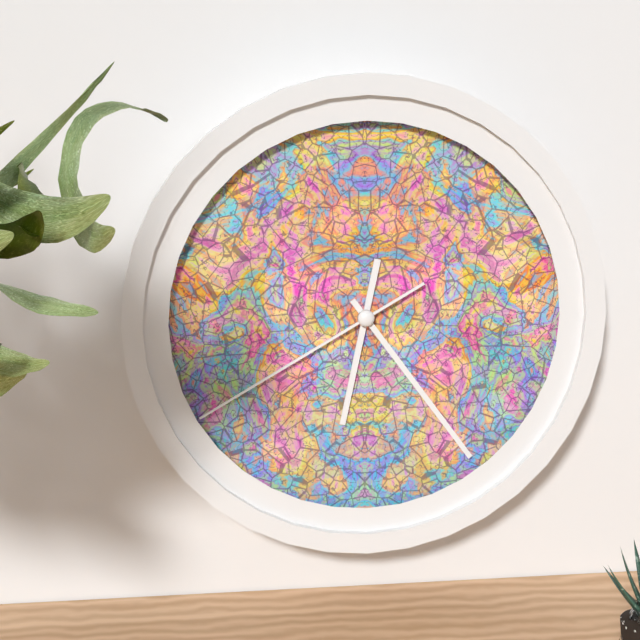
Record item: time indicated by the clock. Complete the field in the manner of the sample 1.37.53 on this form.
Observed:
6.24.40
